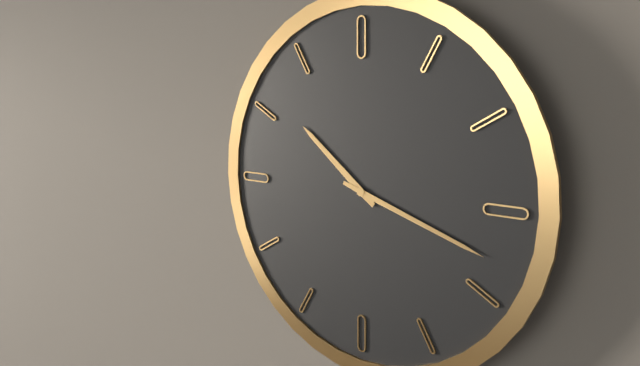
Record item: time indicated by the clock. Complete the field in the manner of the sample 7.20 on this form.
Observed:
10.18
